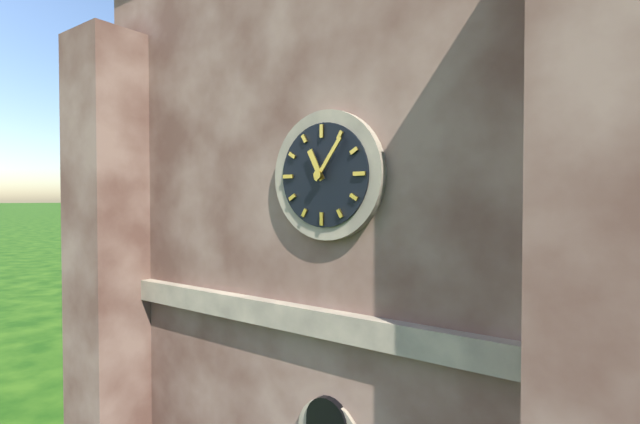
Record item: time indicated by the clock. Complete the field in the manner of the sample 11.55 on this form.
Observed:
11.06
